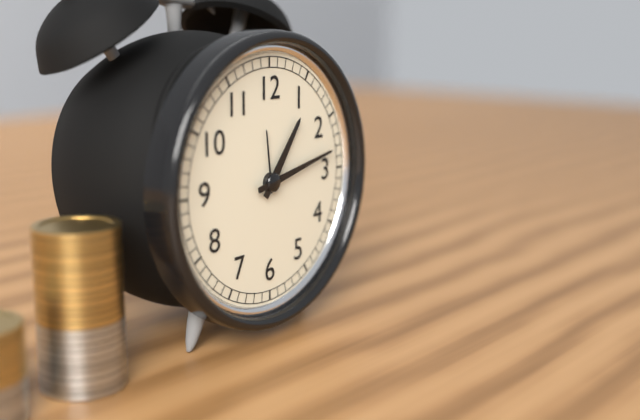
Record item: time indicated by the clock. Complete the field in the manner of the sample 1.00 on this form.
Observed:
1.13
